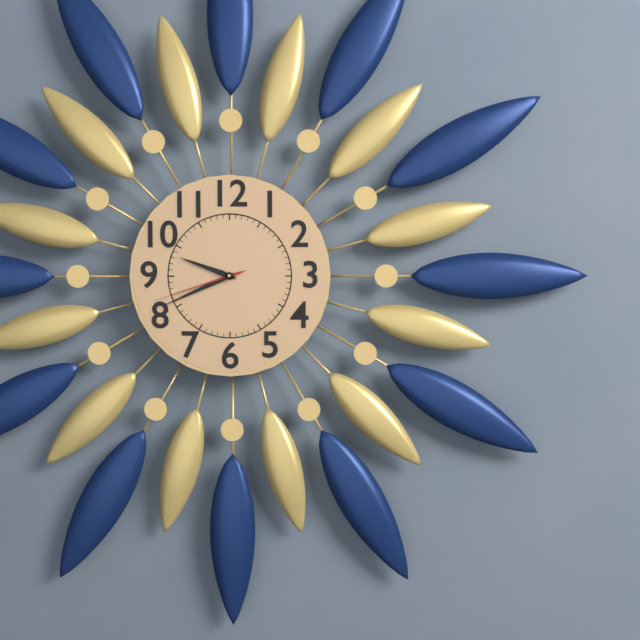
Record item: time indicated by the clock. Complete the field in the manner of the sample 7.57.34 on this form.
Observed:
9.41.42
